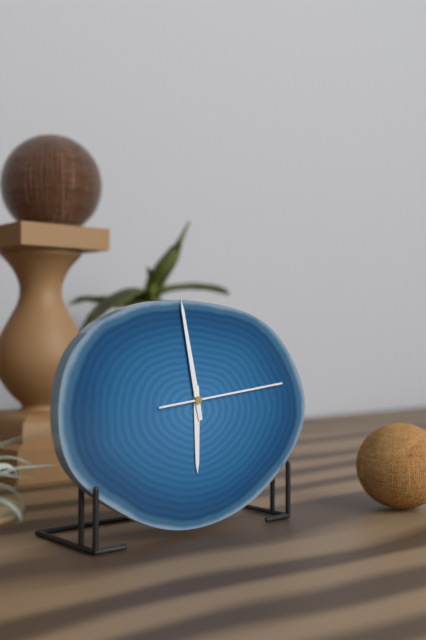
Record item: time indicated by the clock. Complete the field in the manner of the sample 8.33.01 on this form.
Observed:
5.58.14
